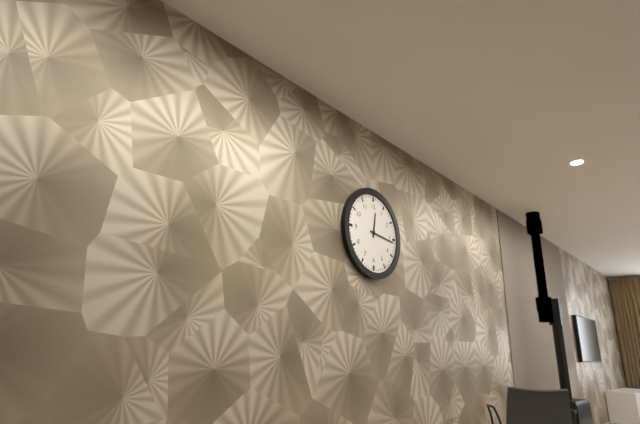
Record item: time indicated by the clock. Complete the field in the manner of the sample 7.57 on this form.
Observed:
12.16
